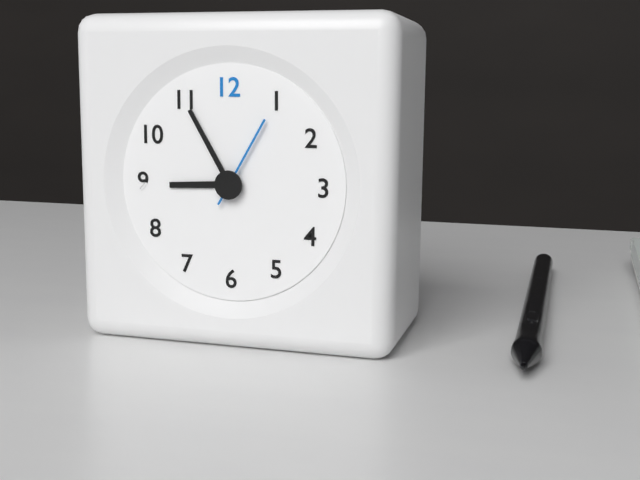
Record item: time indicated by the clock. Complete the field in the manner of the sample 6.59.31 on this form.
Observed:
8.55.05
